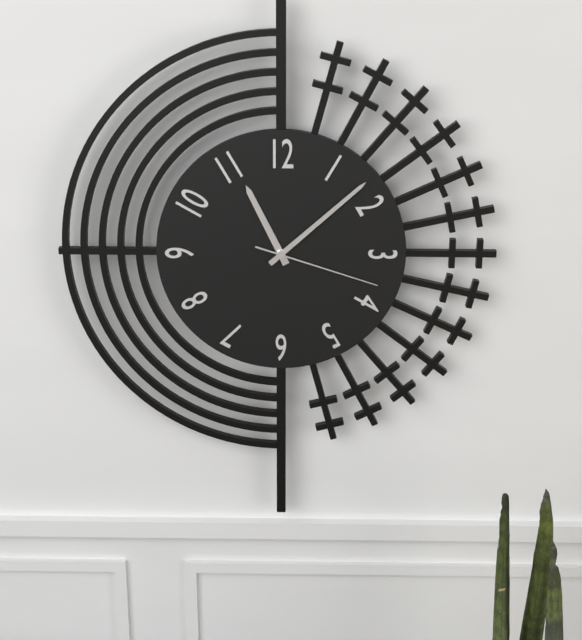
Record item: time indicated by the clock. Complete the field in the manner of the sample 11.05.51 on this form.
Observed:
11.08.18
